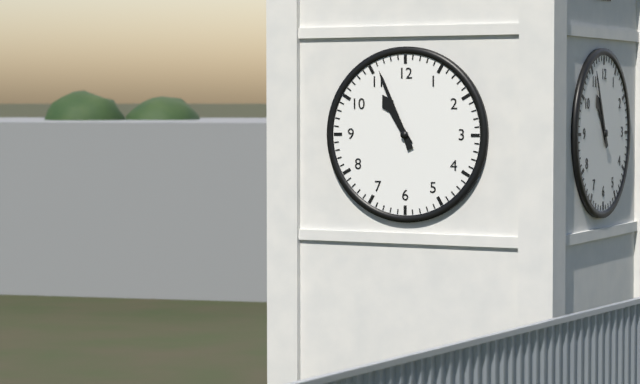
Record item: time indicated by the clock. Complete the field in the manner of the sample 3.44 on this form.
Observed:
10.56
